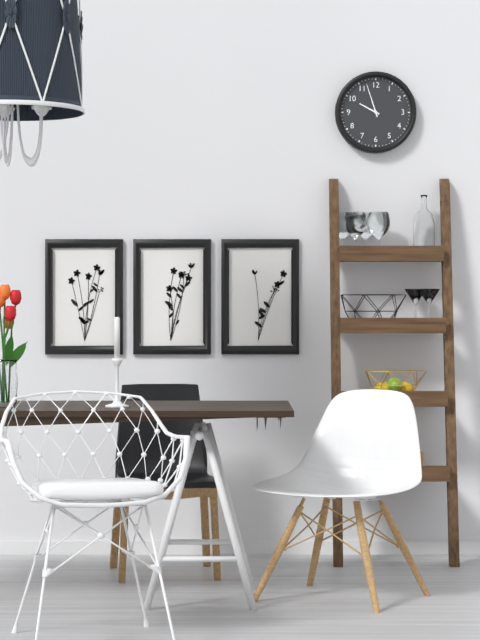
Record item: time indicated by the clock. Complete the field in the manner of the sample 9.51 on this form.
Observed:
9.57
